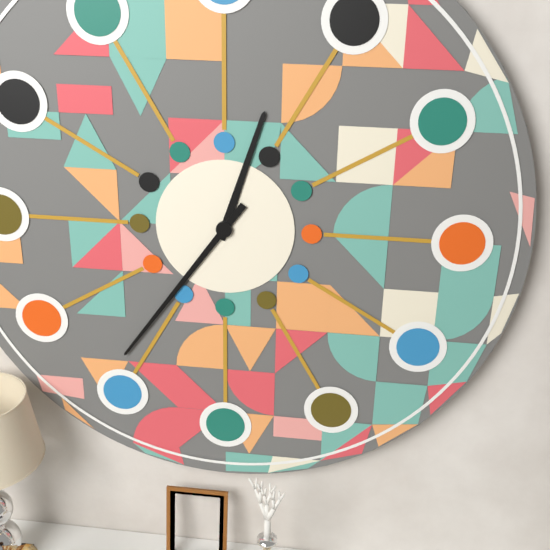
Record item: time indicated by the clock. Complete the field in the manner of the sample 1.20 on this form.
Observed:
12.36
